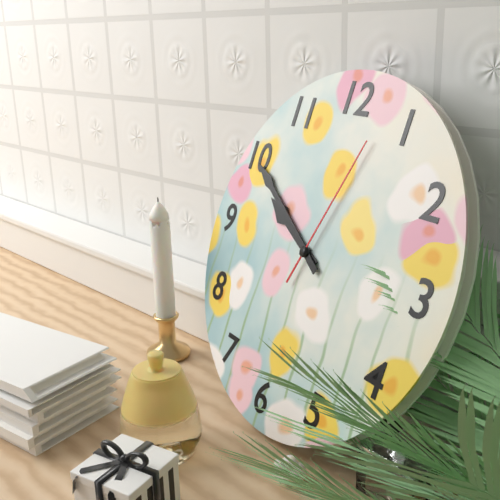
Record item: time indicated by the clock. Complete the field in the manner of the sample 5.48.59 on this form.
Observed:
9.50.03
